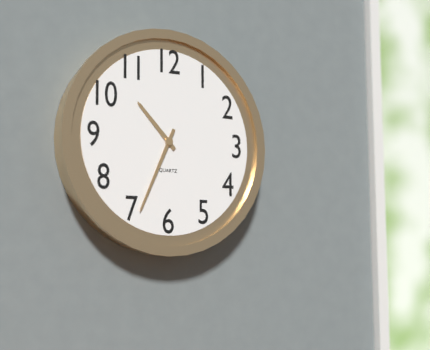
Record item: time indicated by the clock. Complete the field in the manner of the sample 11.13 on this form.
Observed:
10.34
